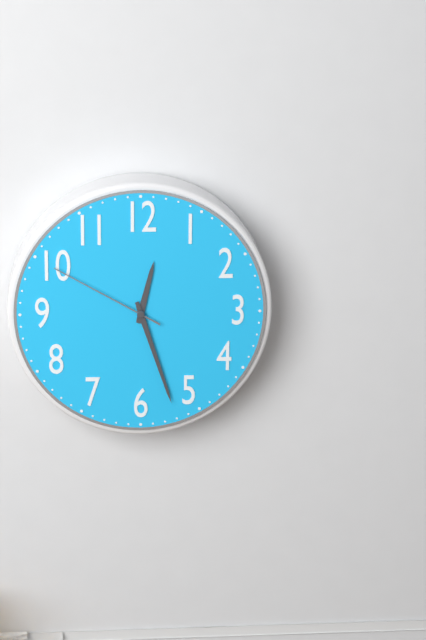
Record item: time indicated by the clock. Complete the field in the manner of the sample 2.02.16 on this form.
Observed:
12.27.50
